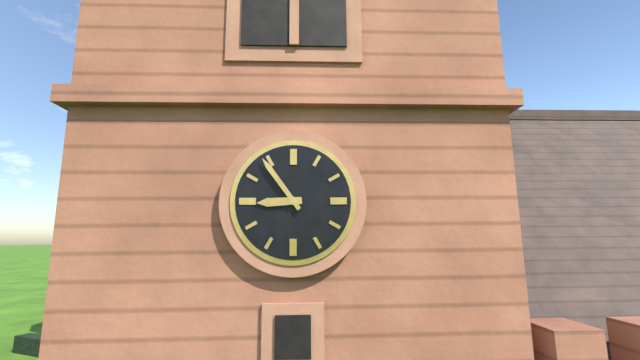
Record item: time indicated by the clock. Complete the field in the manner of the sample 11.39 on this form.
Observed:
8.54
